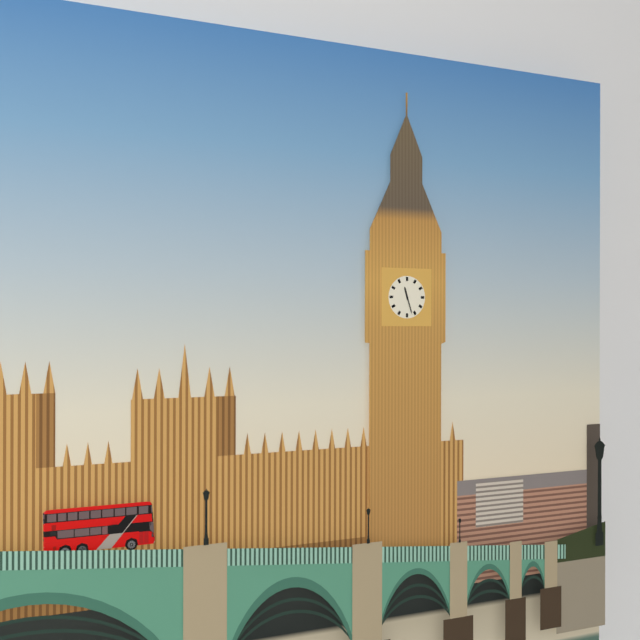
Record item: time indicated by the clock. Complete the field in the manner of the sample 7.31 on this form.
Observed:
11.27
